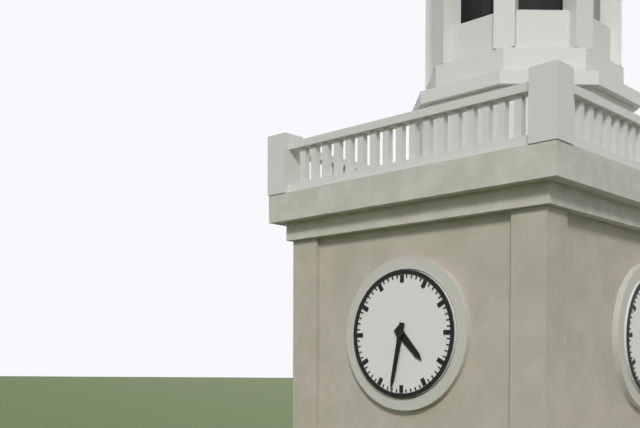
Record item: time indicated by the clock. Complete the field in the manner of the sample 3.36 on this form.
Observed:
4.32
